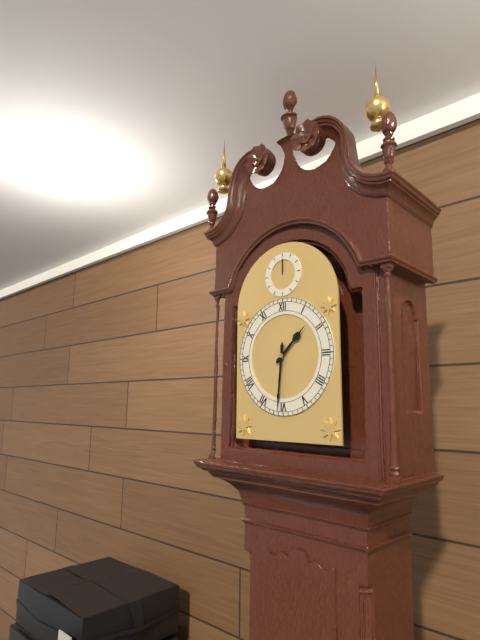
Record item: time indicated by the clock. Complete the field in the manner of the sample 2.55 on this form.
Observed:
1.31
